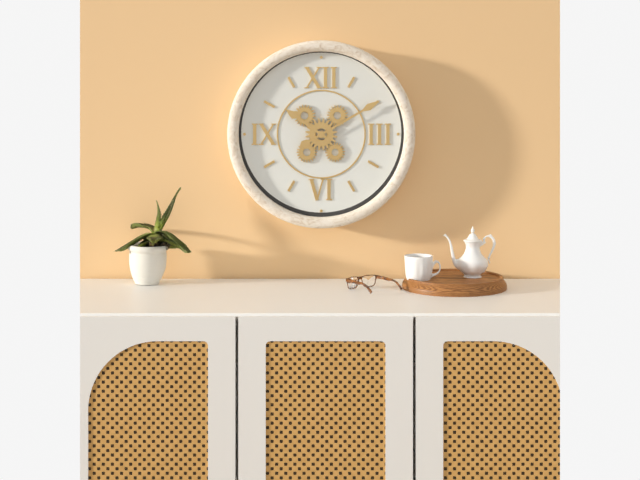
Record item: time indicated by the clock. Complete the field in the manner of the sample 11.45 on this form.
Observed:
10.10
